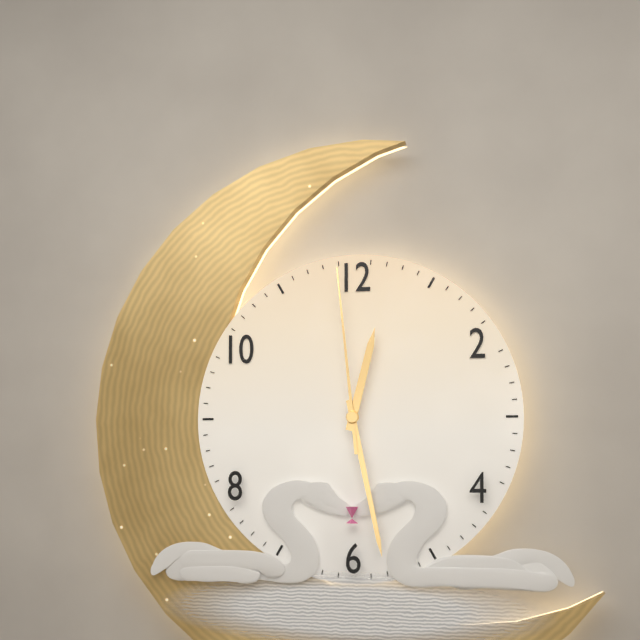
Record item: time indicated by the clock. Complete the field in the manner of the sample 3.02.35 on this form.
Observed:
12.28.59
